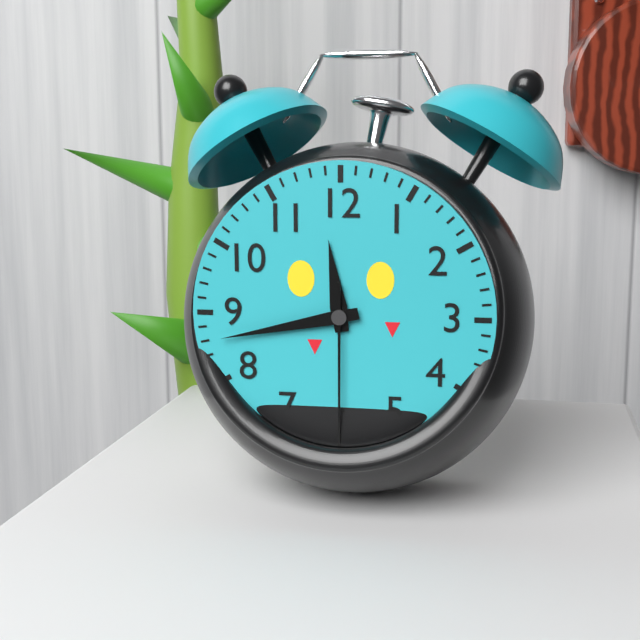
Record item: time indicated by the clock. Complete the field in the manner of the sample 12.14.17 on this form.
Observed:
11.43.30
